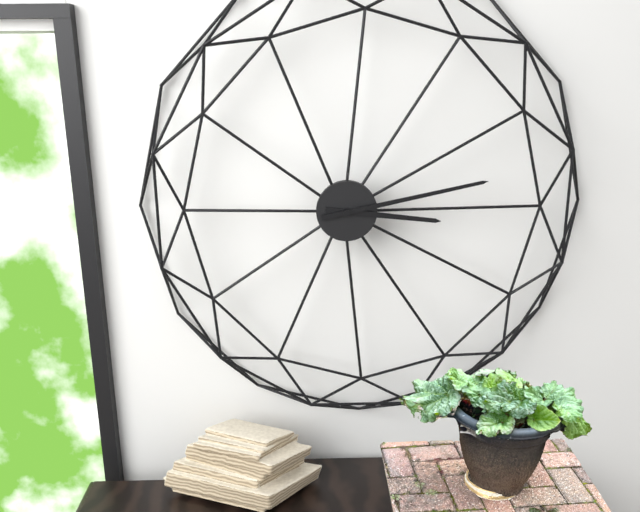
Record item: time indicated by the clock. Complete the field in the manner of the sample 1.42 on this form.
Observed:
3.13
